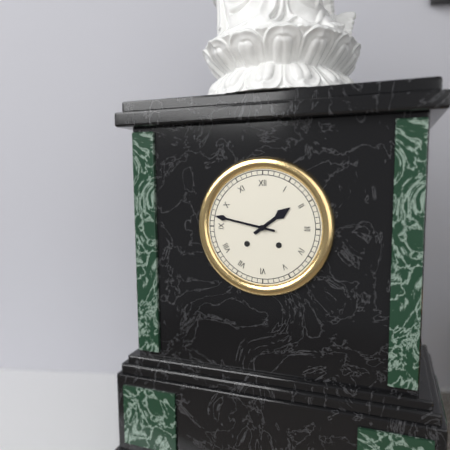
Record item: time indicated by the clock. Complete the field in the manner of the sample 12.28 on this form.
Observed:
1.47
